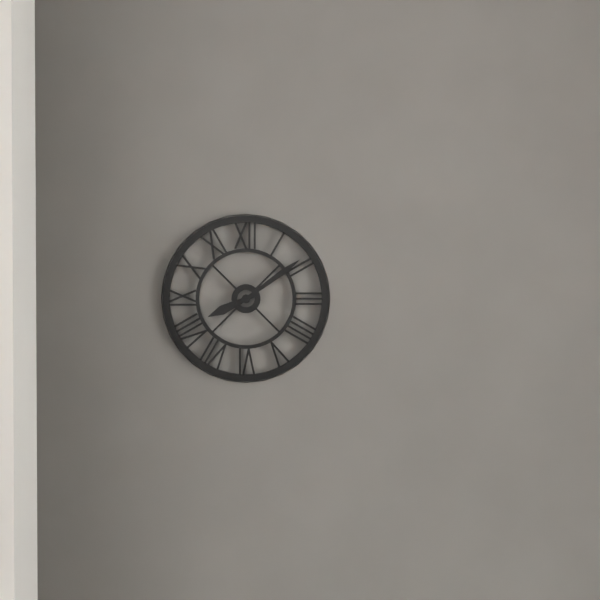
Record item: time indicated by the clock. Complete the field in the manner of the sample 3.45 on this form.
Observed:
8.09
